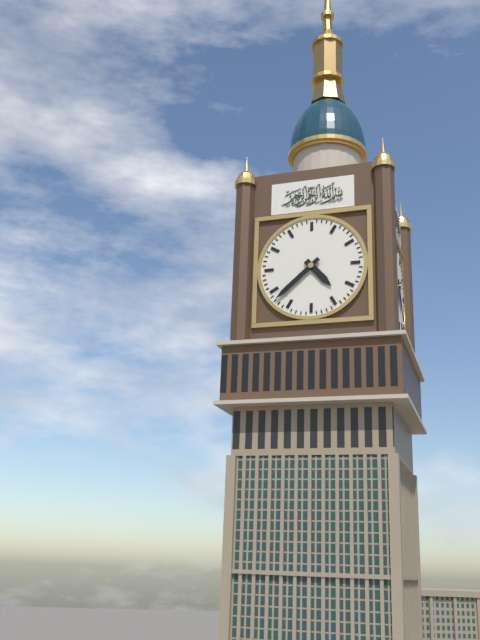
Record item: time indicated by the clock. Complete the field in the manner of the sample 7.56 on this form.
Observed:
4.38
